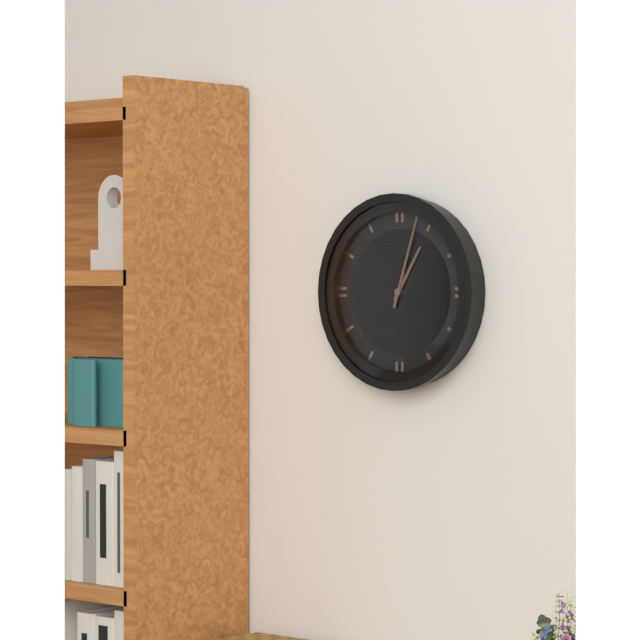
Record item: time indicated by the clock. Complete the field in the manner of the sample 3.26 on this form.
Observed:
1.03
